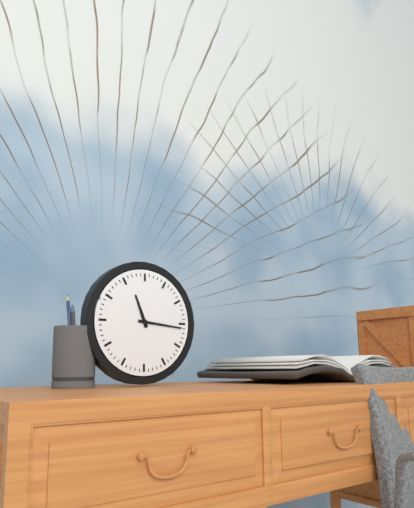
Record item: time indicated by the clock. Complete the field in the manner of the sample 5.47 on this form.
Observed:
11.16
